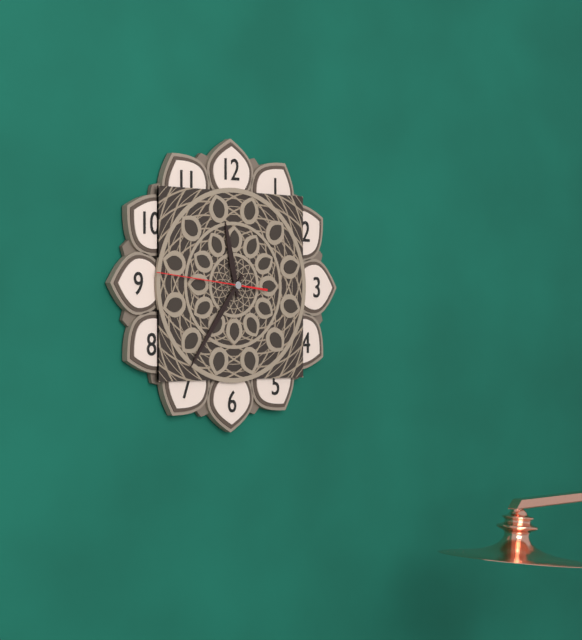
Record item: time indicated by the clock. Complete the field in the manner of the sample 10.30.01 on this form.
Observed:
11.36.46
